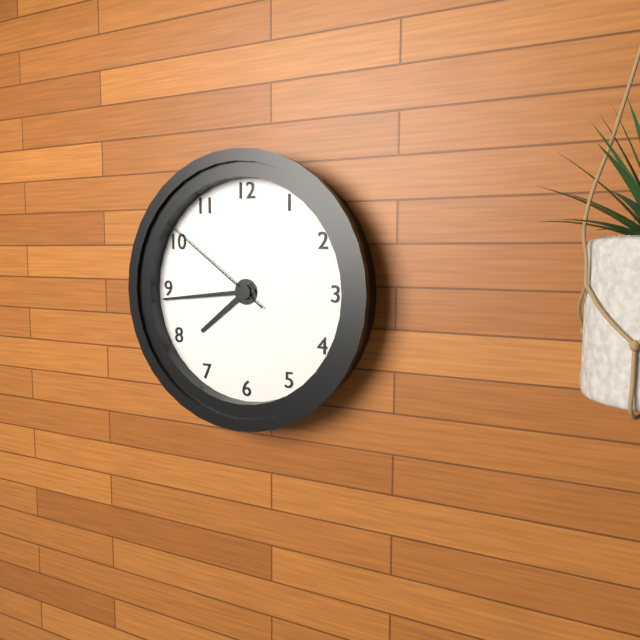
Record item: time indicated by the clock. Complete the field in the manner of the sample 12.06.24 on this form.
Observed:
7.44.51
